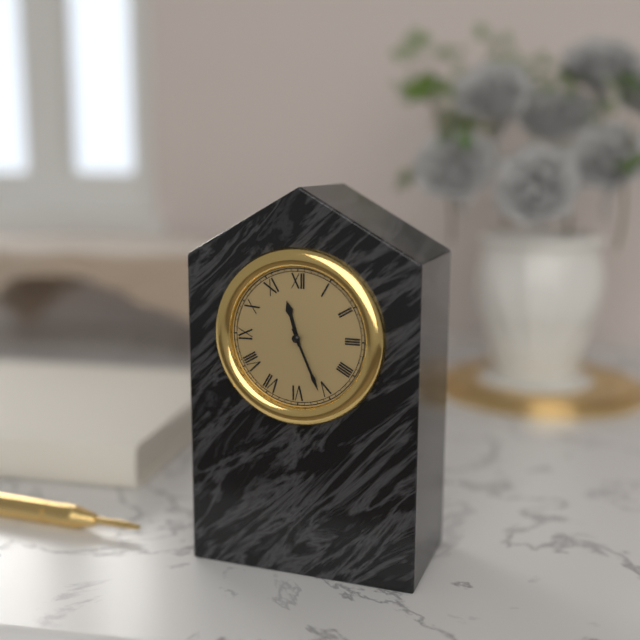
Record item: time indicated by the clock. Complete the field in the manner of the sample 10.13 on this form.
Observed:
11.26
